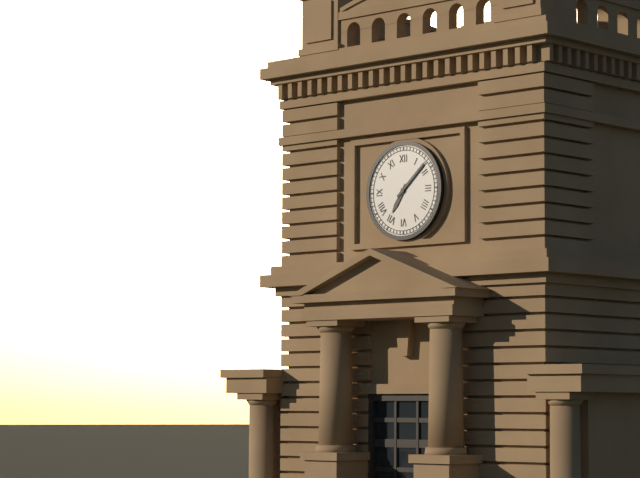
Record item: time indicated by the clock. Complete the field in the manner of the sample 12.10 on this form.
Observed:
7.08
